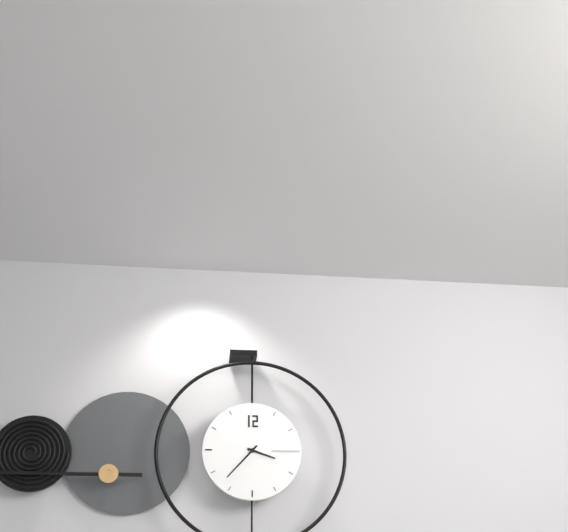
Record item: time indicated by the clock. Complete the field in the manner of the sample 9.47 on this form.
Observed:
3.37
